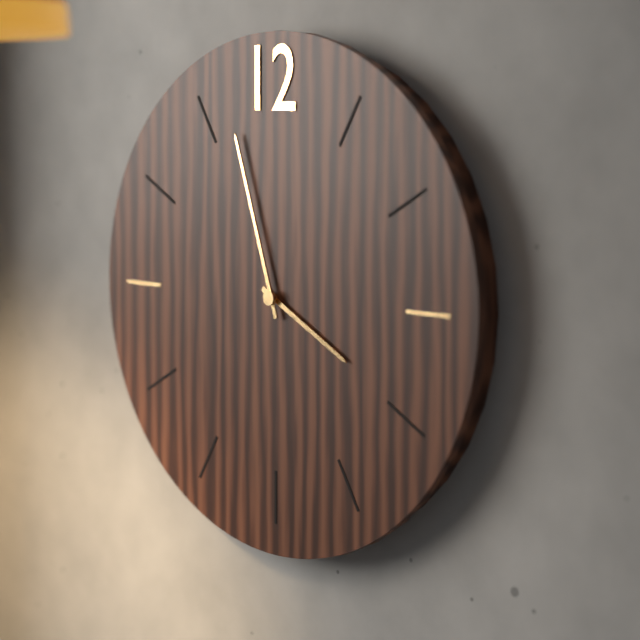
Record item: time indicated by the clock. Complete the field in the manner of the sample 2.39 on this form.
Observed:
3.57
